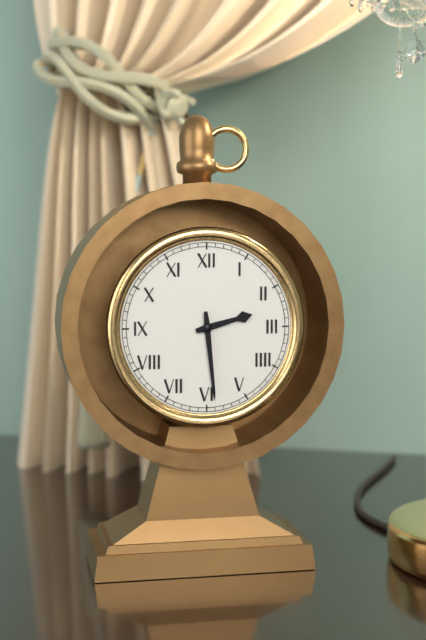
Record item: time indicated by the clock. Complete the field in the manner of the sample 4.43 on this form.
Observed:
2.29
